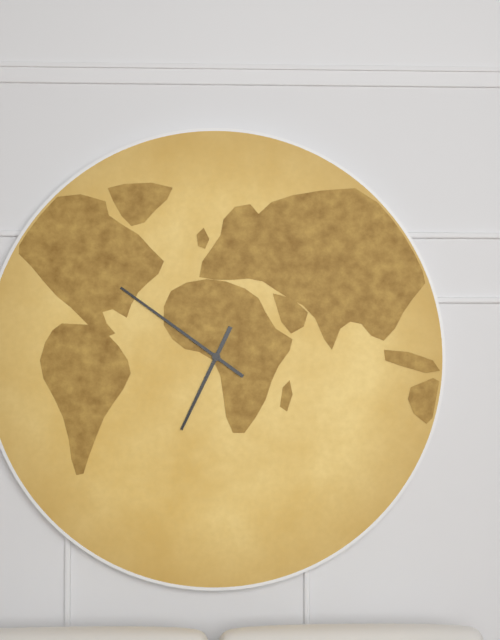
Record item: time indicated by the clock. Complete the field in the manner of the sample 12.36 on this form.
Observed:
6.51
